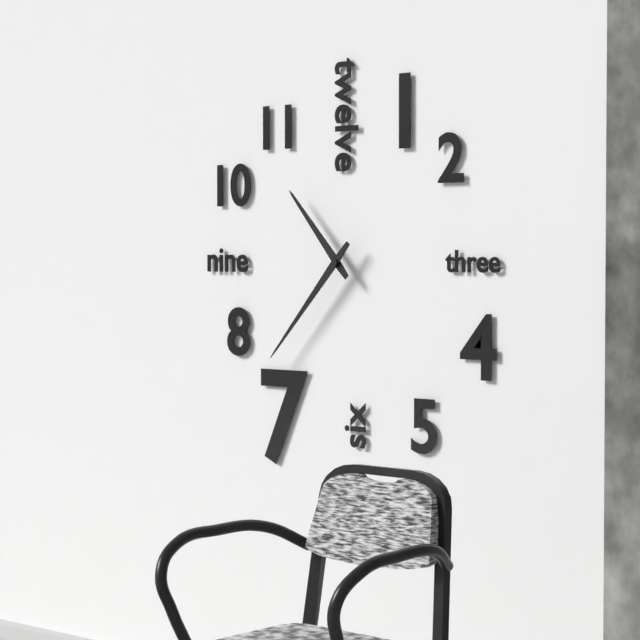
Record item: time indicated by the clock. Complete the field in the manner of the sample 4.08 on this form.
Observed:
10.37
